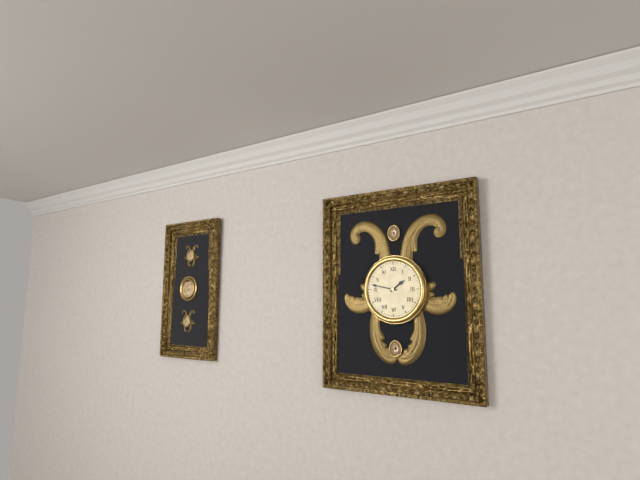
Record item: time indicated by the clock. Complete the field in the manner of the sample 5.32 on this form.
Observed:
1.47
